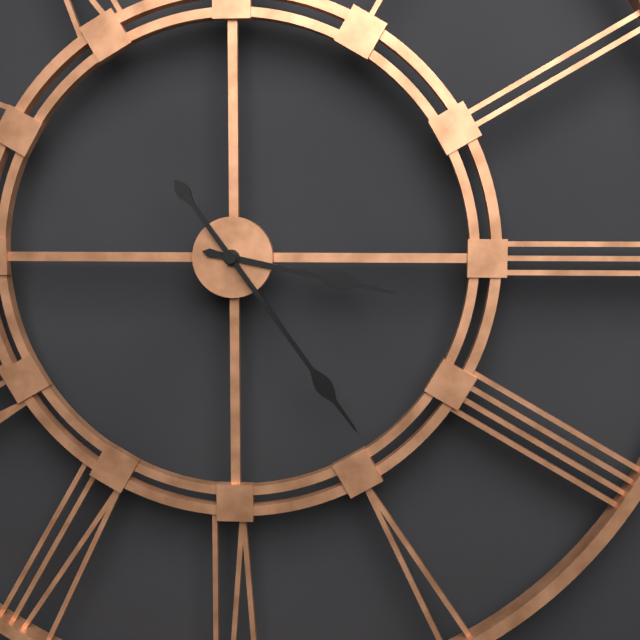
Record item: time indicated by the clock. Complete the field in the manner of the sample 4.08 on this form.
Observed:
3.24
